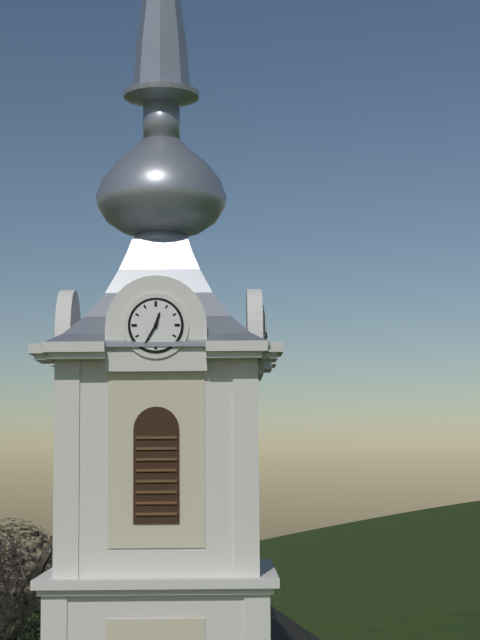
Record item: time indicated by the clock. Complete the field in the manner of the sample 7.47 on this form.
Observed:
12.35
